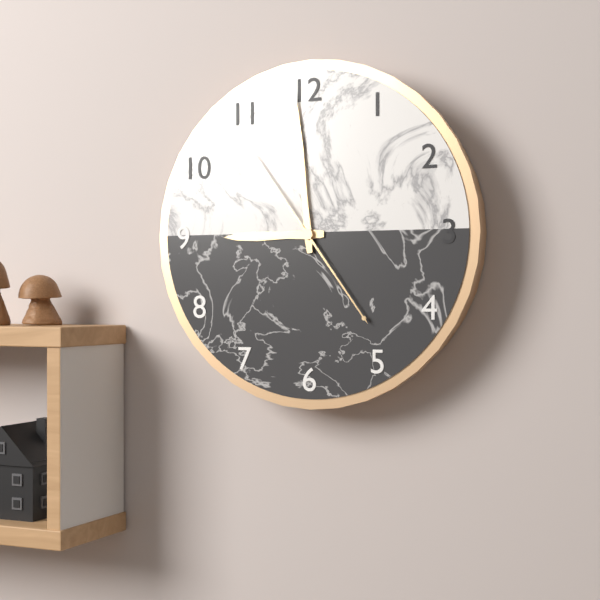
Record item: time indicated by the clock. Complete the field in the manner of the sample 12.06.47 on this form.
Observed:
8.59.24
